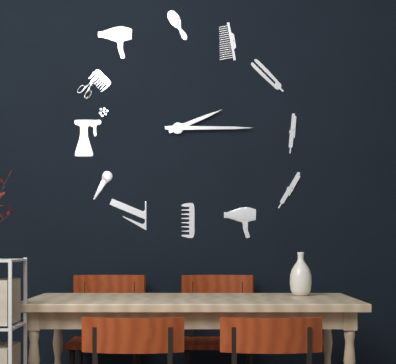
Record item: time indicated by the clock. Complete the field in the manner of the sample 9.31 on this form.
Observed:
2.15
